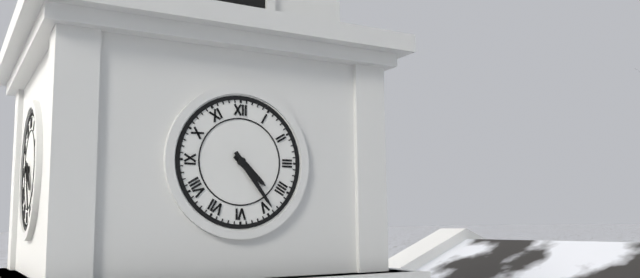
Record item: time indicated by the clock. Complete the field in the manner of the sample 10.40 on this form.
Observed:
4.24
